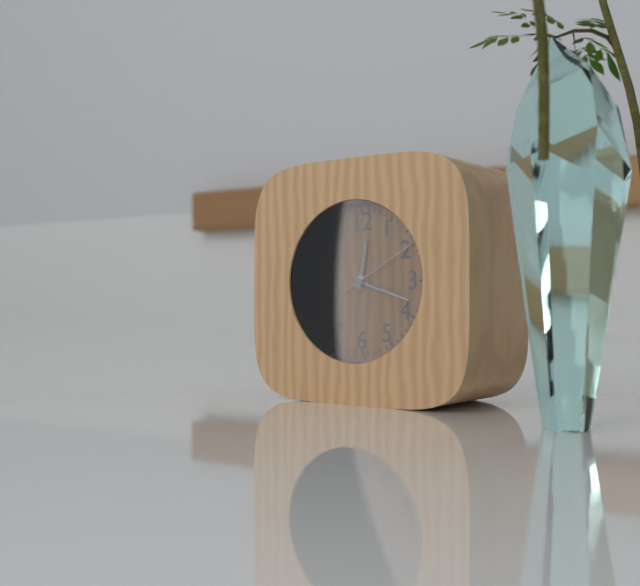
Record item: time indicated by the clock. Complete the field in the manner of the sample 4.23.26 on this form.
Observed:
12.18.10
